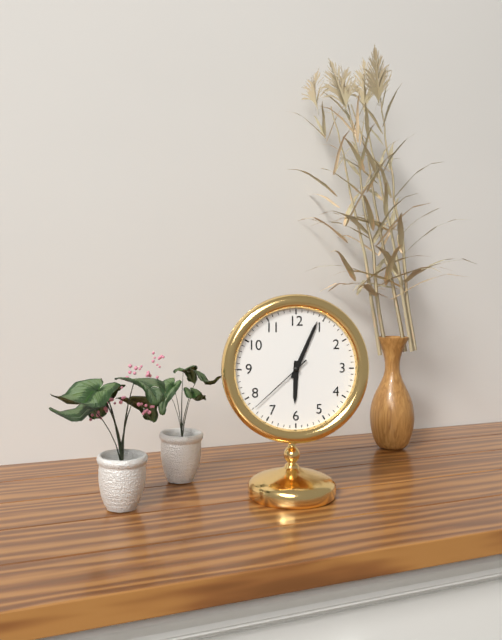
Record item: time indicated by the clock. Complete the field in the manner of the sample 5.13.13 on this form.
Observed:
6.04.38
